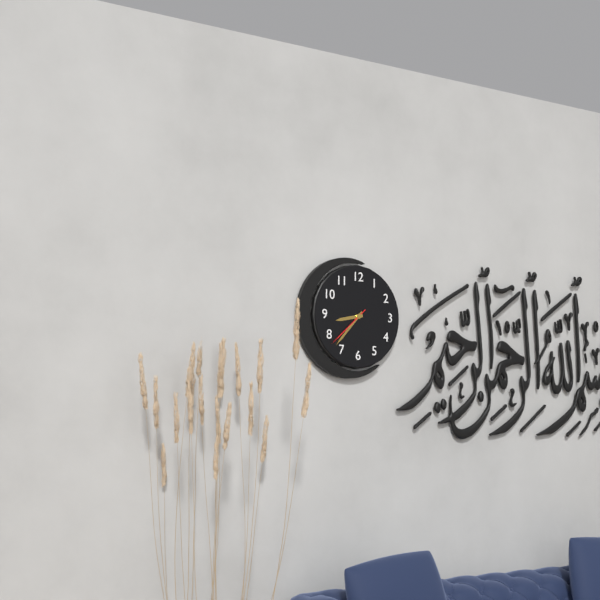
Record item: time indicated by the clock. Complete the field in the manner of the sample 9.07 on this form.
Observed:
8.37
